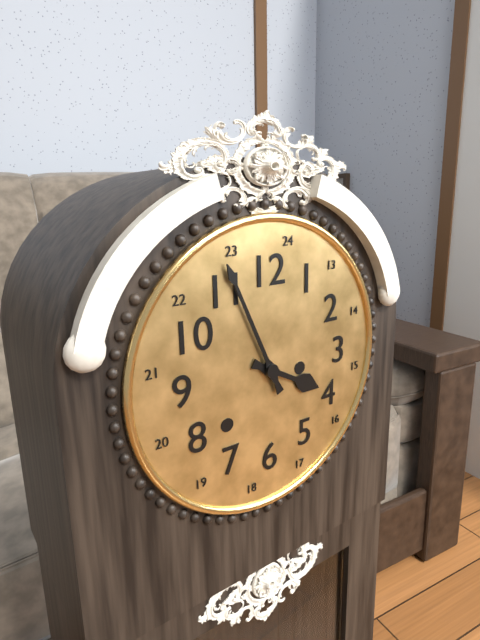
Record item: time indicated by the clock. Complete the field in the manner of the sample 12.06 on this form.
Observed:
3.56
